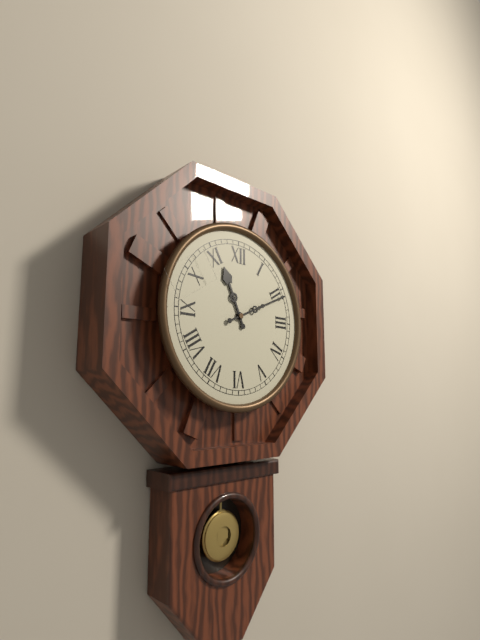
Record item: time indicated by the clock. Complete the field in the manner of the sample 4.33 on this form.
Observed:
11.11
